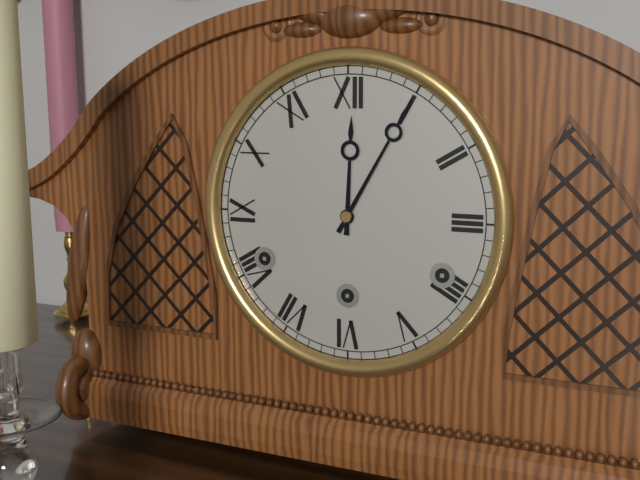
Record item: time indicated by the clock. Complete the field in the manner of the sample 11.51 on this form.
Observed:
12.05
